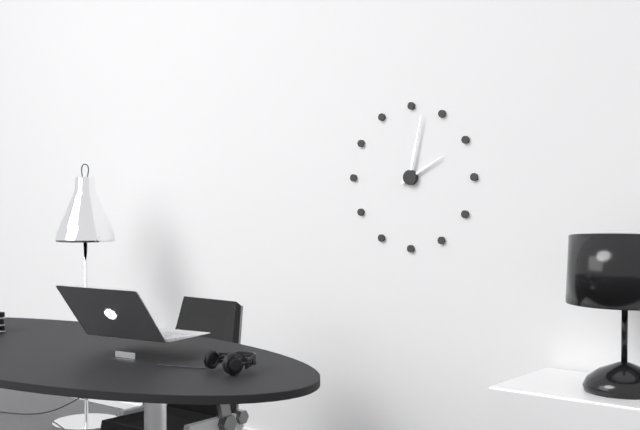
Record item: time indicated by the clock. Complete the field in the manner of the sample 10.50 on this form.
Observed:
2.02
